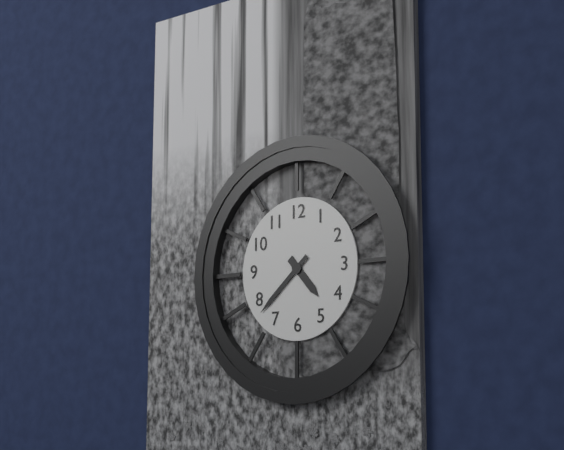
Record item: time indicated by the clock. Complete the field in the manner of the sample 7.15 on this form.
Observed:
4.38
